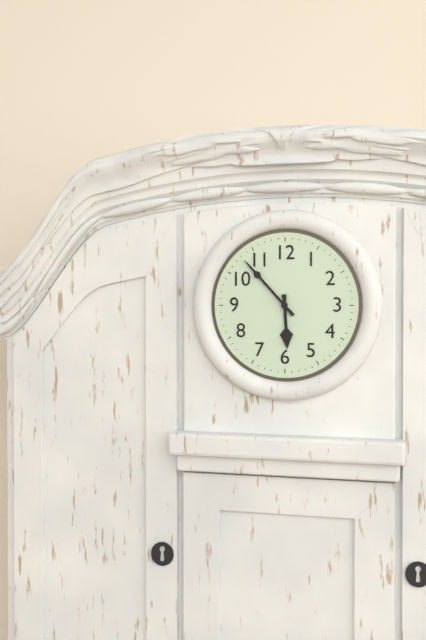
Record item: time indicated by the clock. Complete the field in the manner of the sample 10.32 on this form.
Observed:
5.53
